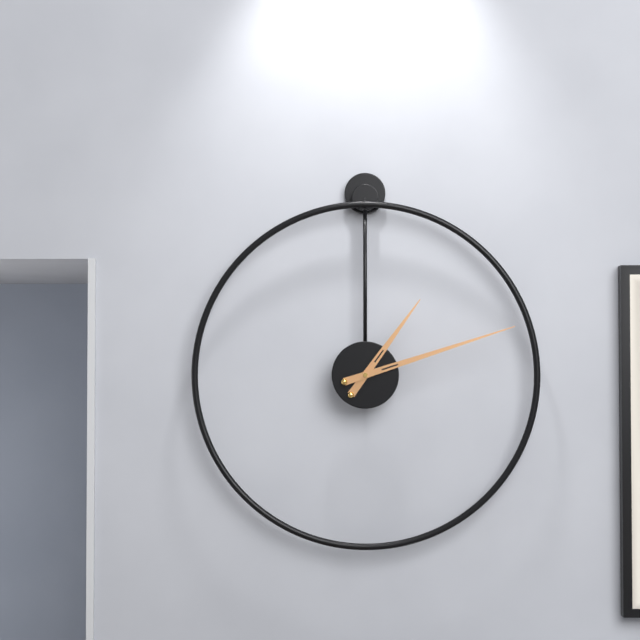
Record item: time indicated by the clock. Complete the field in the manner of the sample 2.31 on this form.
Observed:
1.12
